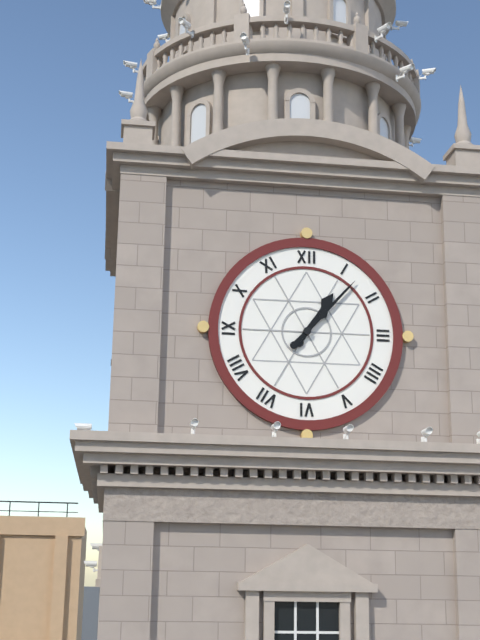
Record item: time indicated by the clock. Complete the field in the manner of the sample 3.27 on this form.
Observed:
1.07
